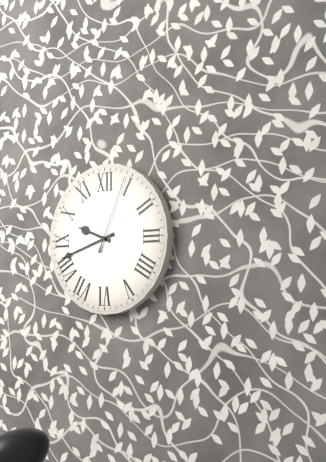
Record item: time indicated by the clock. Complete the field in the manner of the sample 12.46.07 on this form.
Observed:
9.42.04
